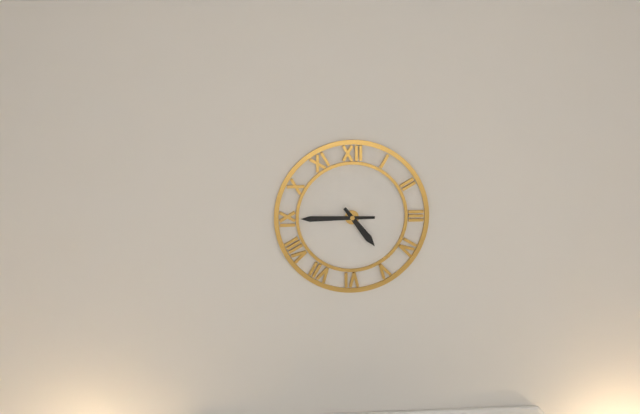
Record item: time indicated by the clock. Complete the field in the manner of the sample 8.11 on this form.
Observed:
4.45
